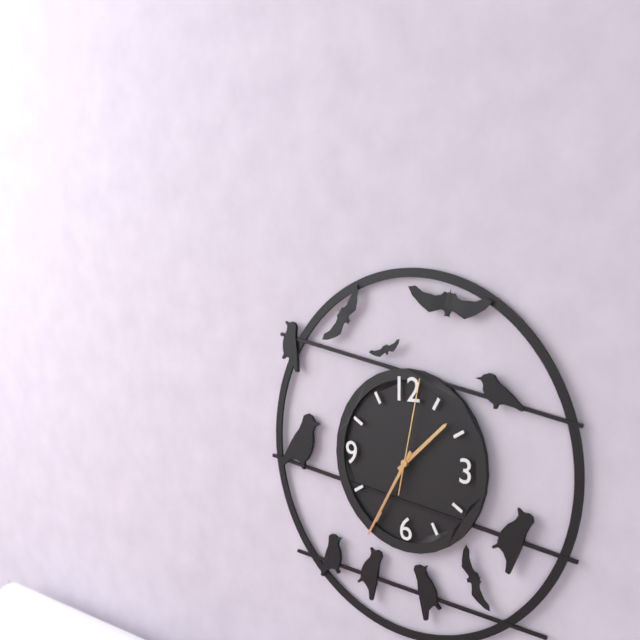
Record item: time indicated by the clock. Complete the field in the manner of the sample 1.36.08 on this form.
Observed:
1.35.02
